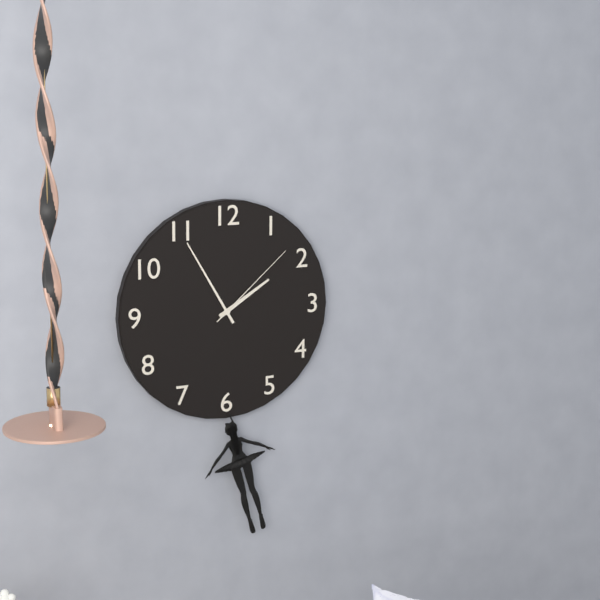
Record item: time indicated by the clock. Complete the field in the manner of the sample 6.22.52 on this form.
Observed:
1.55.08
